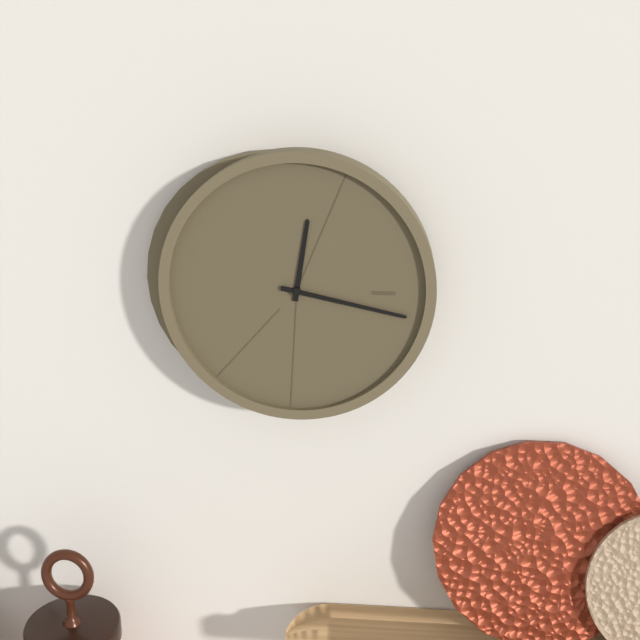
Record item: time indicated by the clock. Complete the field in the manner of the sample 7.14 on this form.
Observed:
12.17
